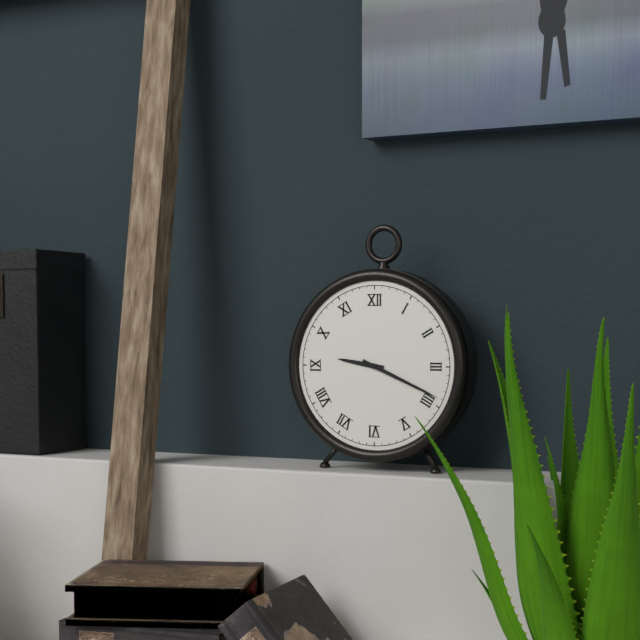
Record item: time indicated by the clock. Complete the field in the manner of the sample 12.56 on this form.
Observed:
9.19
